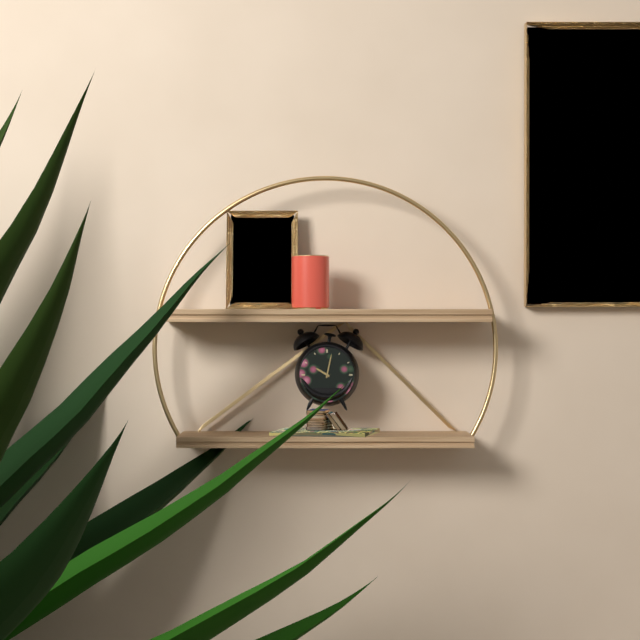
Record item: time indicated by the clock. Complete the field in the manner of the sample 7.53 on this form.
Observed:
10.02
